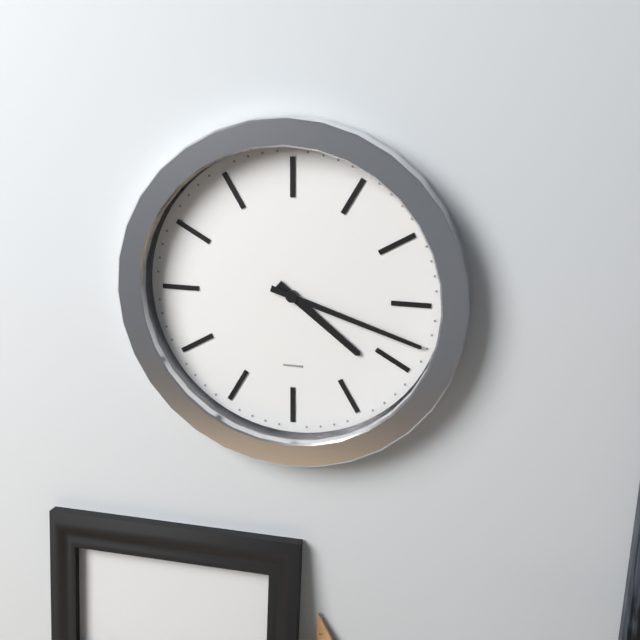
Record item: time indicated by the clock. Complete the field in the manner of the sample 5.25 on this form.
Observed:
4.18
